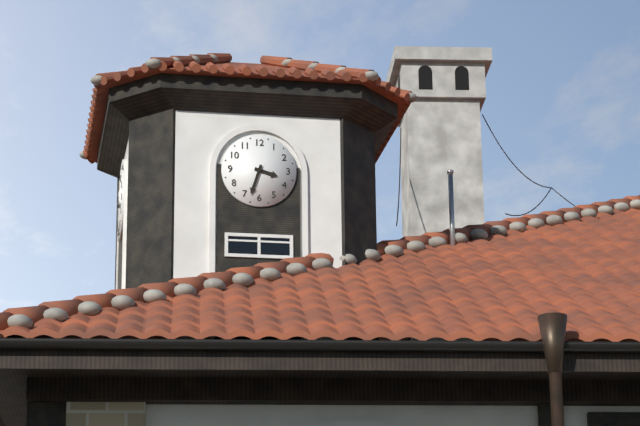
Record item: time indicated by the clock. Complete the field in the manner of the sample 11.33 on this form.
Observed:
3.33
